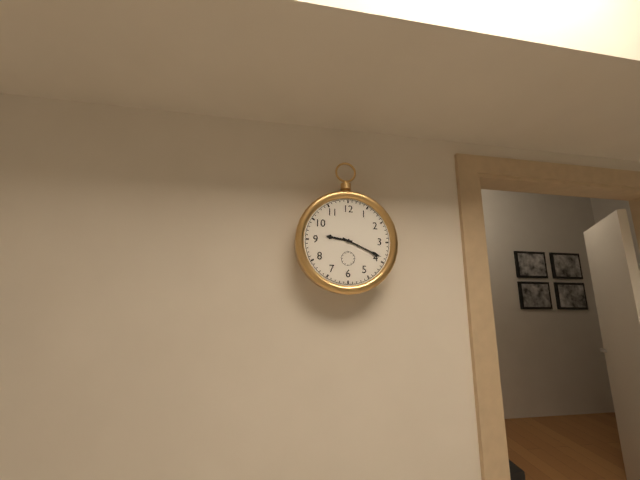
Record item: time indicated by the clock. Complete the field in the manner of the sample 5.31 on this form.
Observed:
9.19
